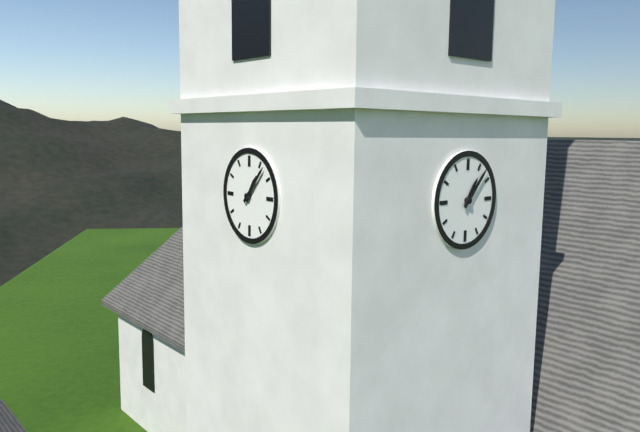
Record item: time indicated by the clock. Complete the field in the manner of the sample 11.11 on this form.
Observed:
1.07
